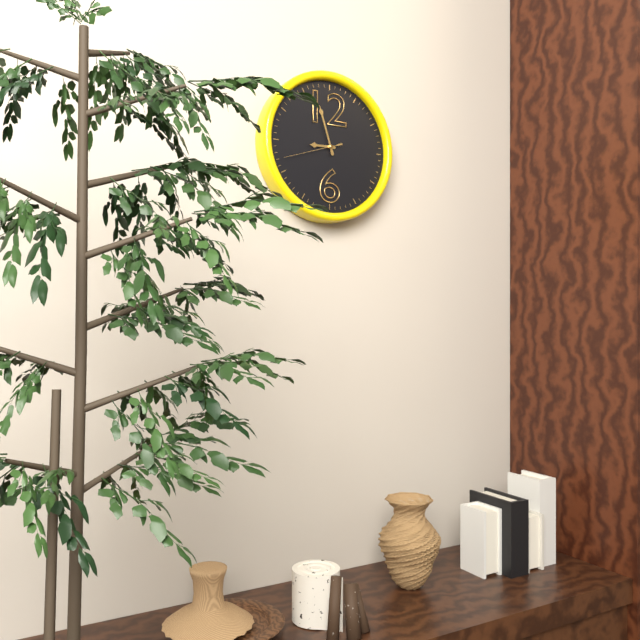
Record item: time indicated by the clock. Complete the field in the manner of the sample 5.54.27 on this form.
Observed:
8.57.42
